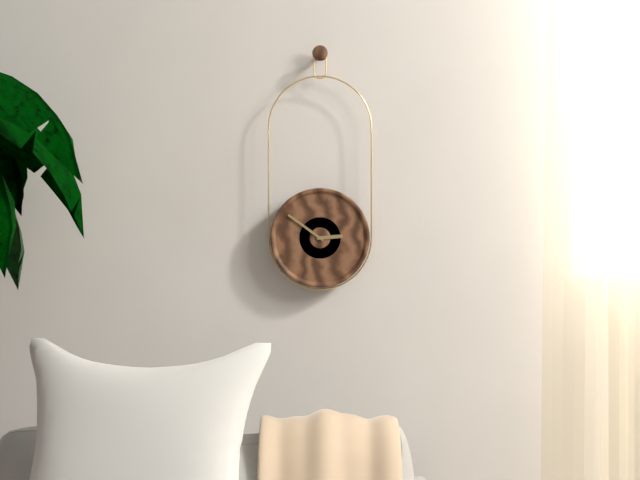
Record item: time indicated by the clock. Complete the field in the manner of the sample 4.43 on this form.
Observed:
2.51
